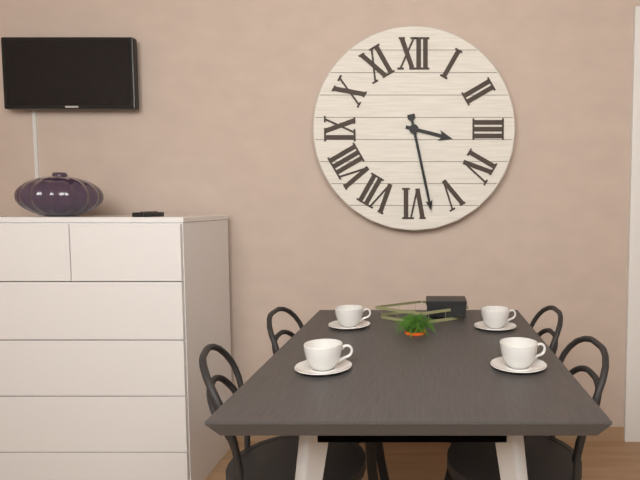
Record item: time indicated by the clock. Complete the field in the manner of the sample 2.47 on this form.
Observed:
3.28
